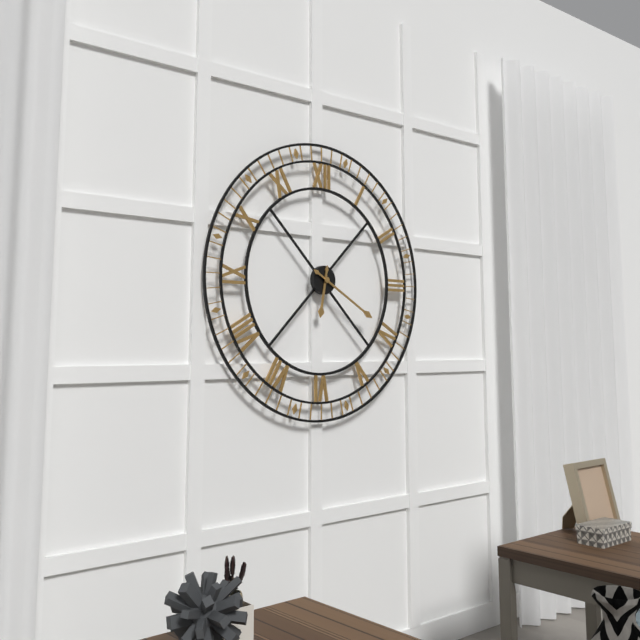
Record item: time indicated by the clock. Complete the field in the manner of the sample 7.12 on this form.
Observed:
6.20
